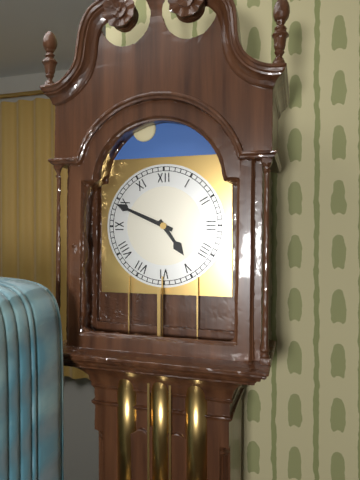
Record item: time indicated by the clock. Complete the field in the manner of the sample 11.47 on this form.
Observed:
4.49
